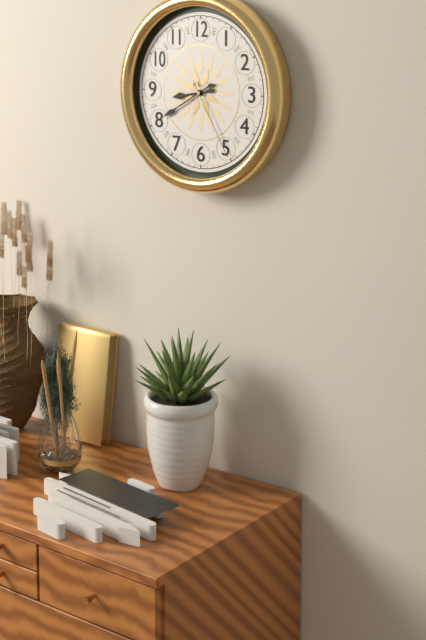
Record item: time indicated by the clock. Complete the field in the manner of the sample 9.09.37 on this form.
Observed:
8.40.25
